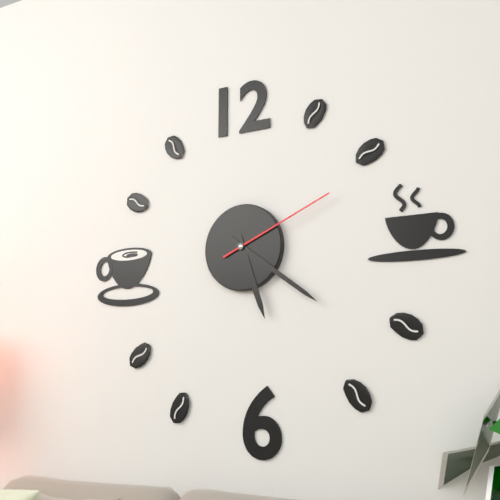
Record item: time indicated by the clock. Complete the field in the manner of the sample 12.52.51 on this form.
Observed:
5.21.11
